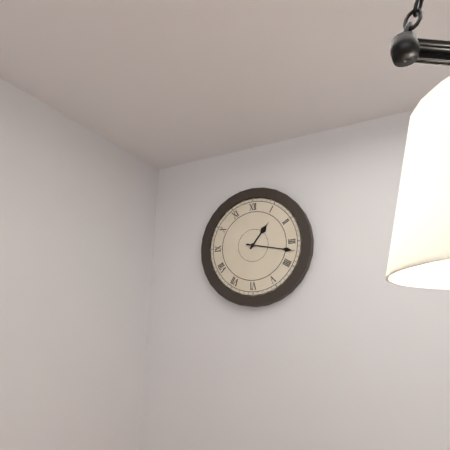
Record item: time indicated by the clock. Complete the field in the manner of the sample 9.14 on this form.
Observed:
1.17
